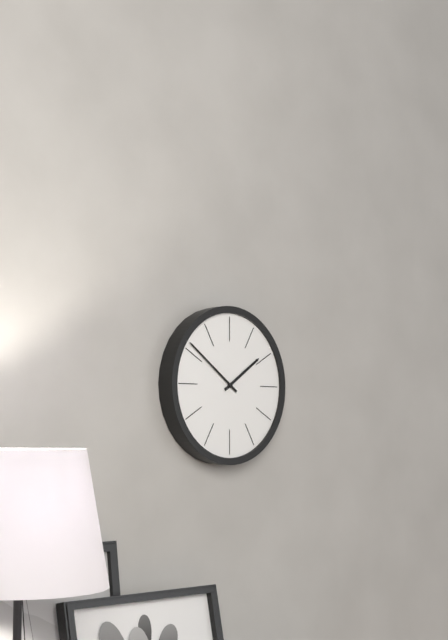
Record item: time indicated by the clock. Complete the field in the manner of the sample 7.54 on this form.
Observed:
1.51
